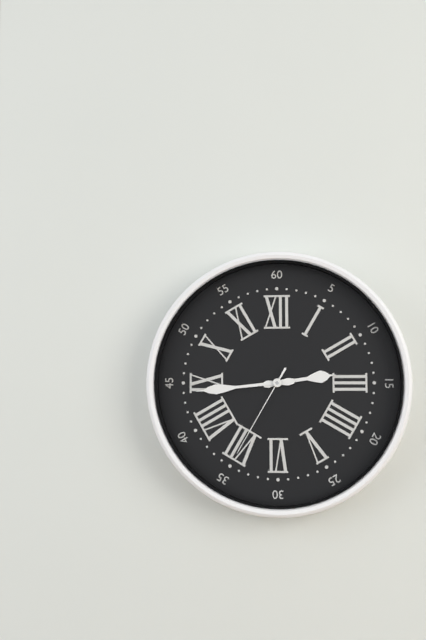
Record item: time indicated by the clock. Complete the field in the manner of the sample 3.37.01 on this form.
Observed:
2.44.35
